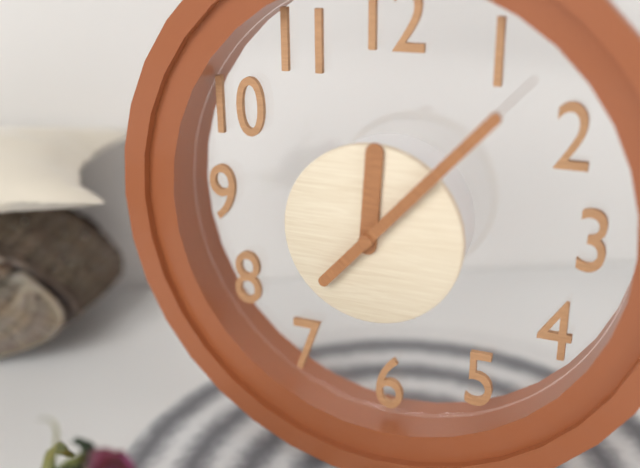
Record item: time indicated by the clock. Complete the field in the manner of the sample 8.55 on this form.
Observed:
12.07
